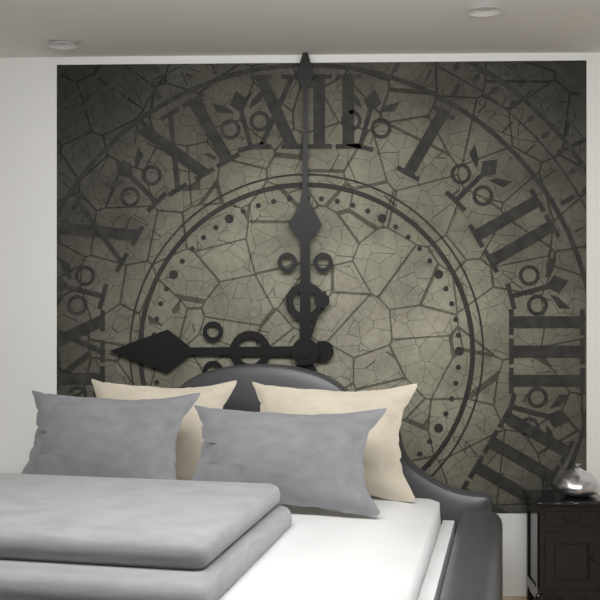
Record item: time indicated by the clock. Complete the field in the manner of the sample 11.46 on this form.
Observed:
9.00
